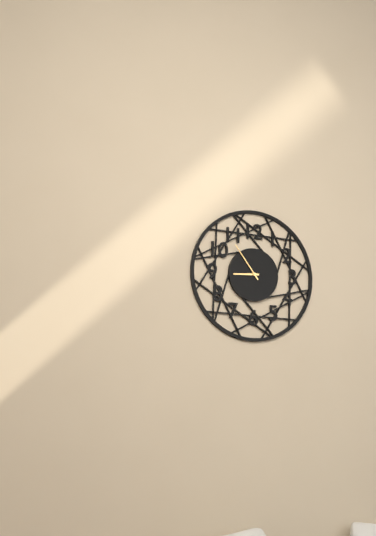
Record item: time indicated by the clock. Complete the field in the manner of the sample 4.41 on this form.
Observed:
8.54
